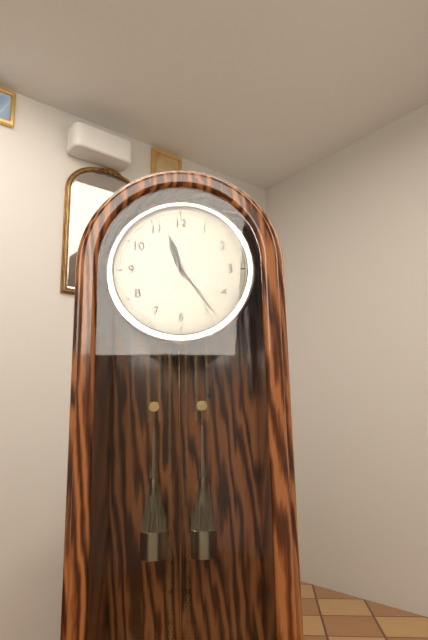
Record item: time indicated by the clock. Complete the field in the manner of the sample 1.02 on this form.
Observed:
11.24
